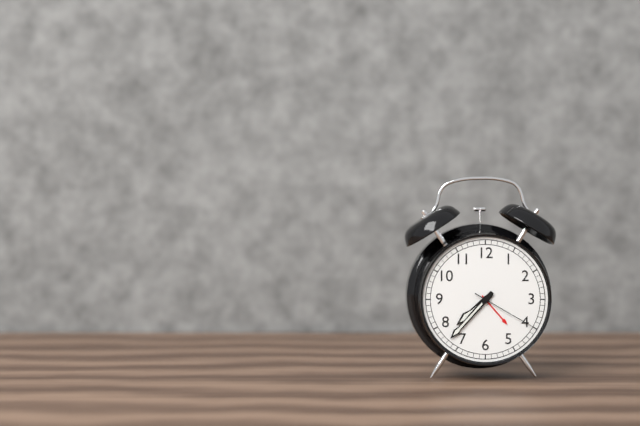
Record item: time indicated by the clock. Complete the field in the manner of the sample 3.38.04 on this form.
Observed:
7.37.20
